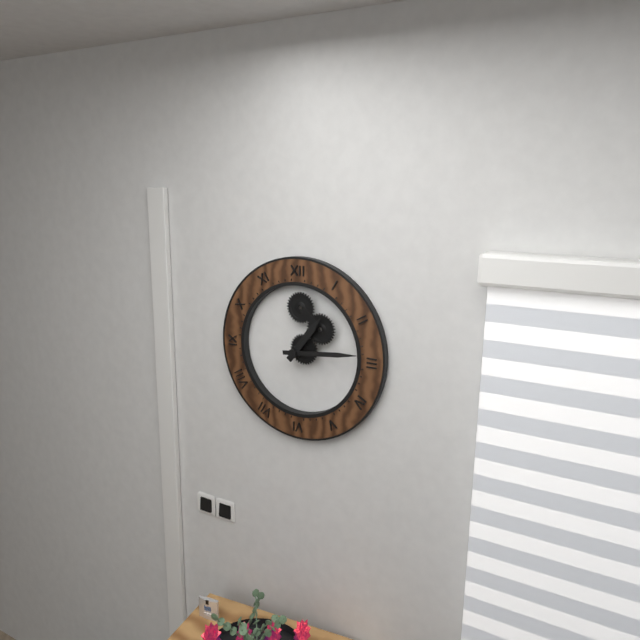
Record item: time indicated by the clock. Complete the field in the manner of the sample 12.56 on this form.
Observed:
1.14
